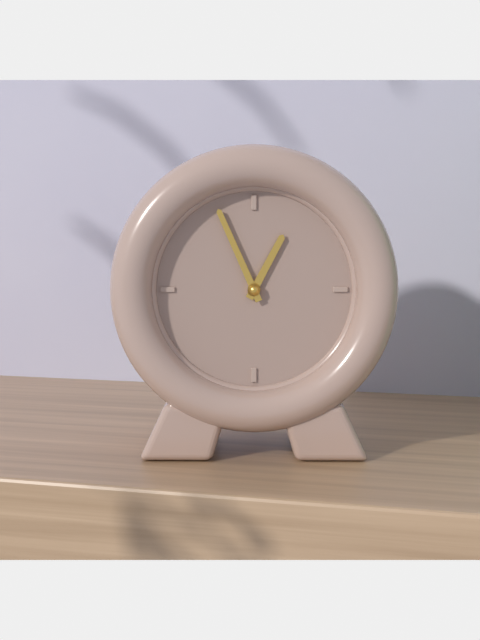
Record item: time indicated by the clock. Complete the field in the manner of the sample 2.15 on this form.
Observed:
12.56
